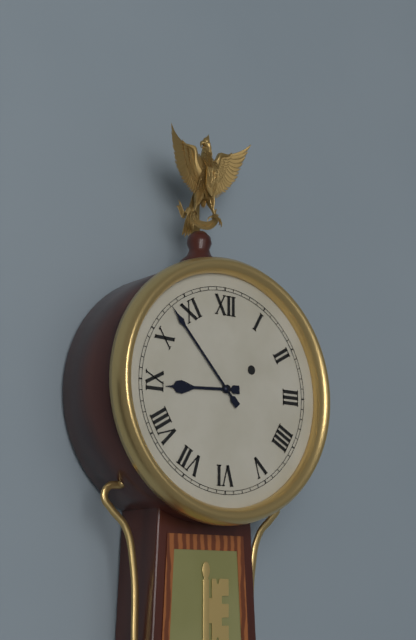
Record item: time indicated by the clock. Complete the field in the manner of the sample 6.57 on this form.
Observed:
8.53
